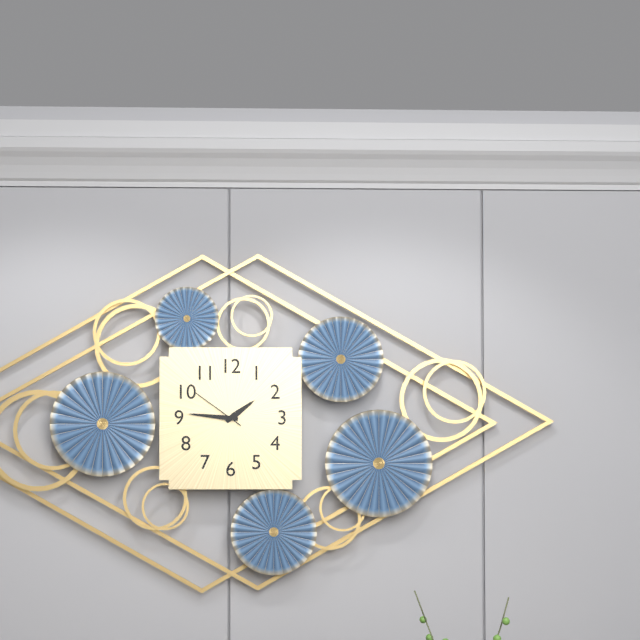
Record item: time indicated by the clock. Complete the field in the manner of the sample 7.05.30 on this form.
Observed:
1.46.51
